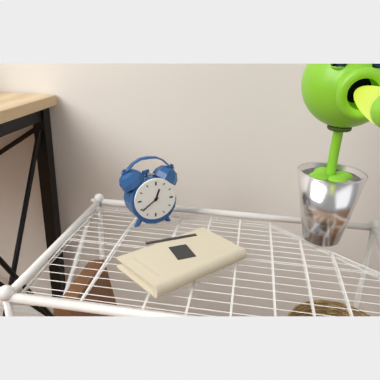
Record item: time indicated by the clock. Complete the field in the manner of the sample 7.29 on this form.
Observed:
12.39
